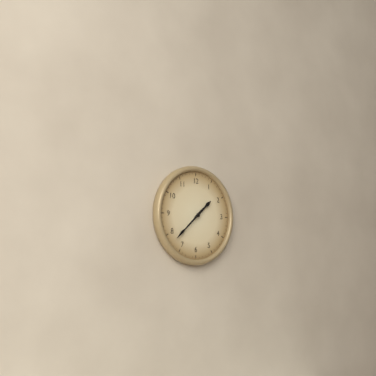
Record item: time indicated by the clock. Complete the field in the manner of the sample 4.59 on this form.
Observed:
1.38
